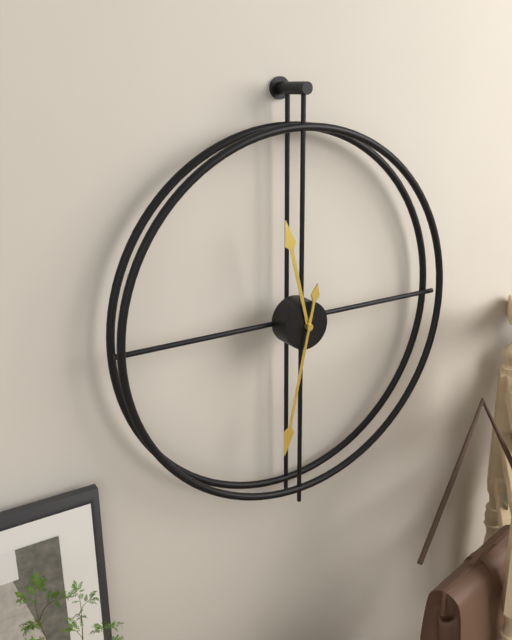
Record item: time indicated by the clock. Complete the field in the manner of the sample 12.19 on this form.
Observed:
11.32
